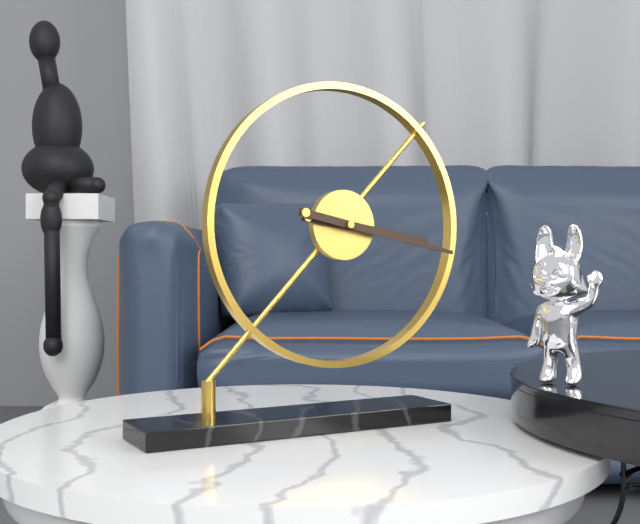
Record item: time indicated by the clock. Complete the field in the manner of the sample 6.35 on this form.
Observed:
3.17
